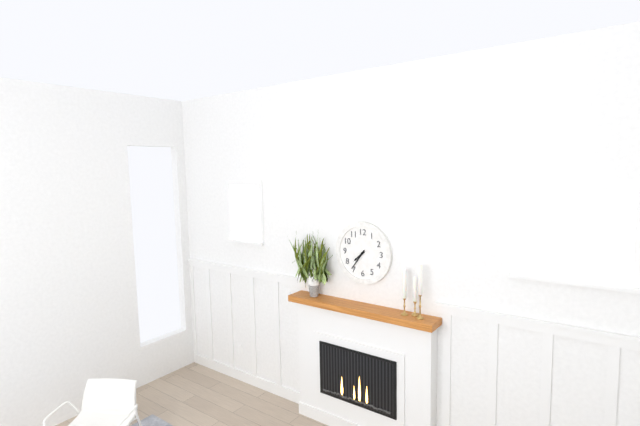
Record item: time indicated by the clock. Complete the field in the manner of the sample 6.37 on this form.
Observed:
7.36
